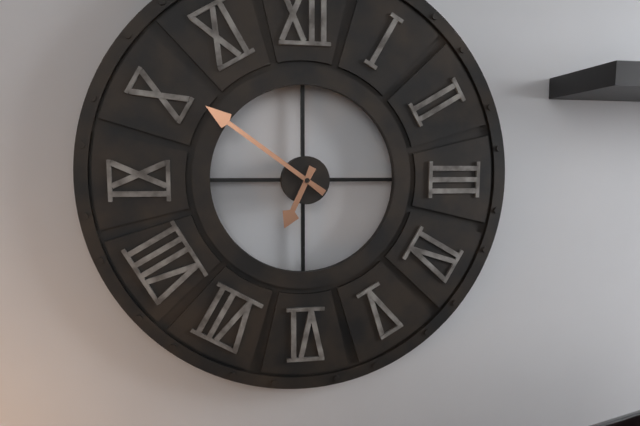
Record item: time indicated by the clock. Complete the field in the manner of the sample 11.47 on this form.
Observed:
6.51
